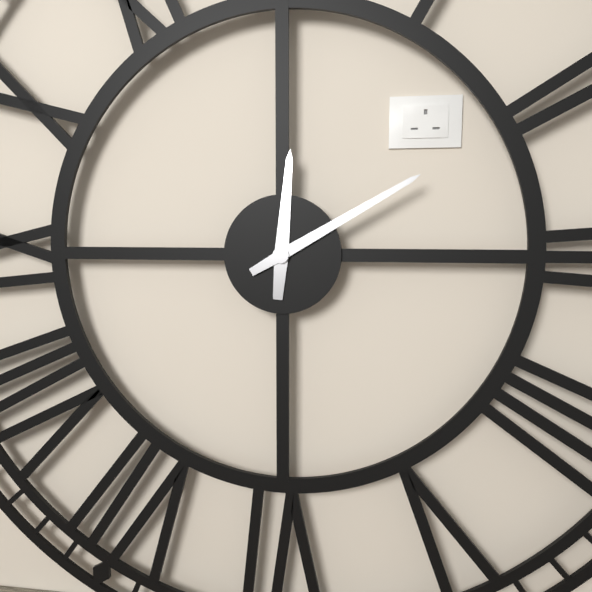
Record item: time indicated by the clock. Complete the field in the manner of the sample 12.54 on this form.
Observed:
12.10
